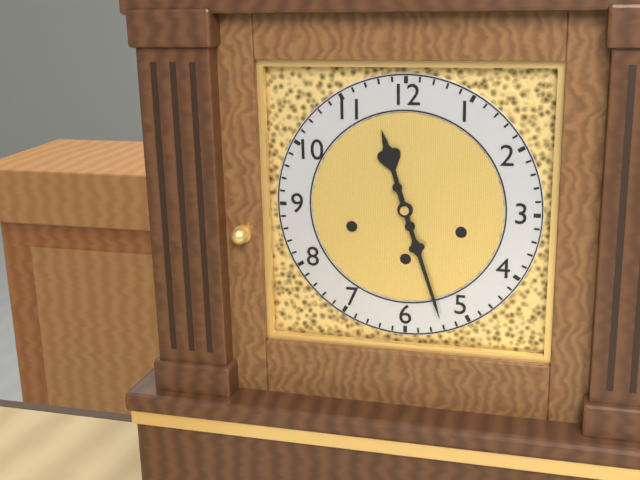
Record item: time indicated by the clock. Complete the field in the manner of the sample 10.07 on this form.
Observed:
11.27
